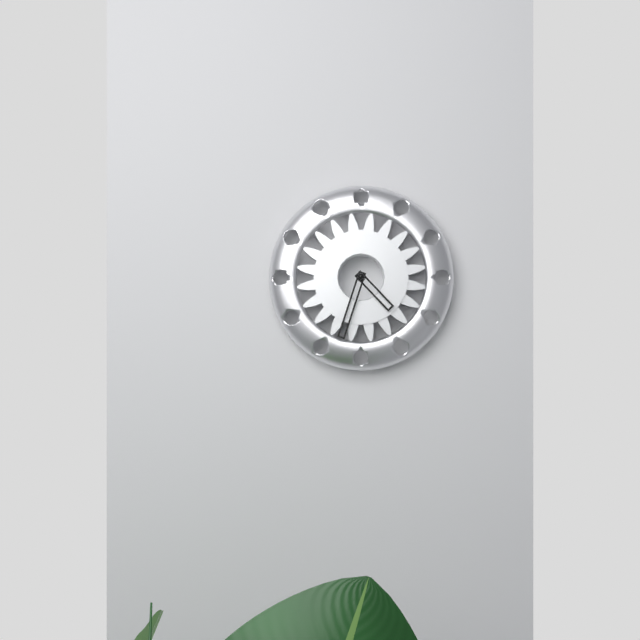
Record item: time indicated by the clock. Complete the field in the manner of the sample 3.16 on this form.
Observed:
4.33
